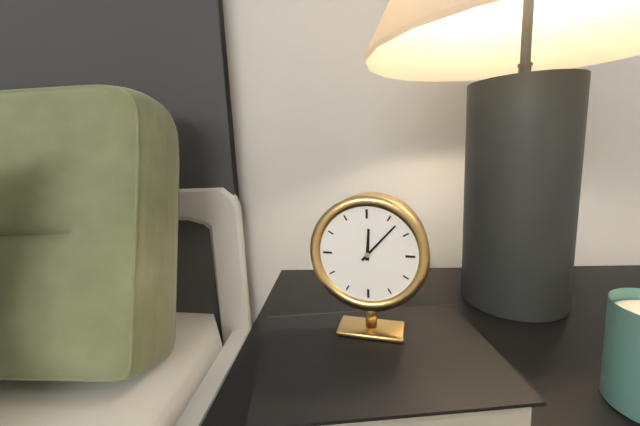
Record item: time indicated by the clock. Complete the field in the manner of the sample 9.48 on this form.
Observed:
12.07
